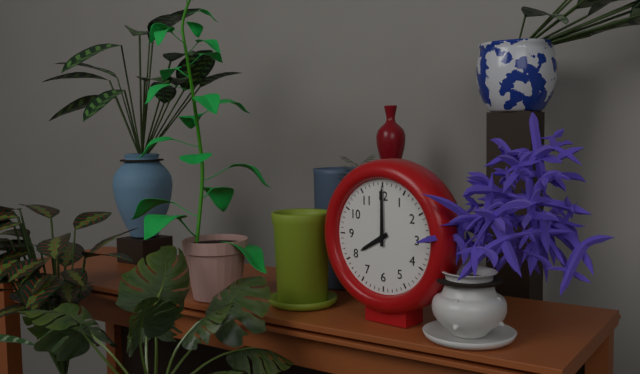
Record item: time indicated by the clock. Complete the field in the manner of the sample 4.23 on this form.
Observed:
8.00
